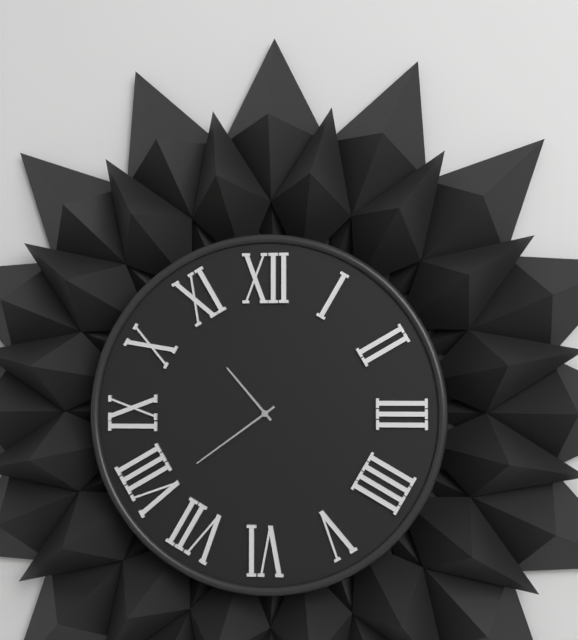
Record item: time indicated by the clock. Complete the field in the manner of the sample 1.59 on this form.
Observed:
10.39
